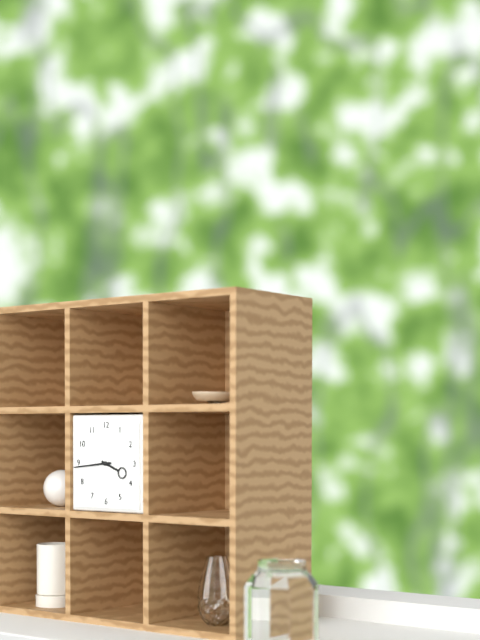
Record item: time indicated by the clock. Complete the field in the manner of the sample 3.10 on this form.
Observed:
3.44
